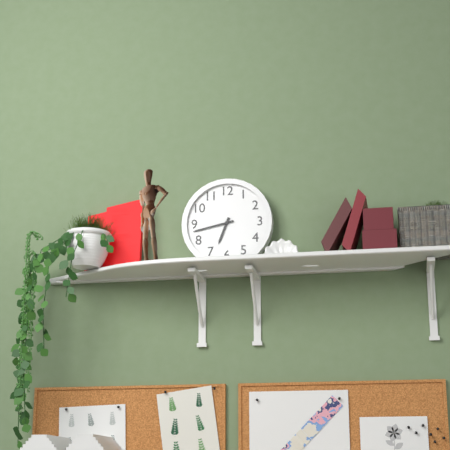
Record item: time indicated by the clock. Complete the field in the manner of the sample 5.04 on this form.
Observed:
6.43
